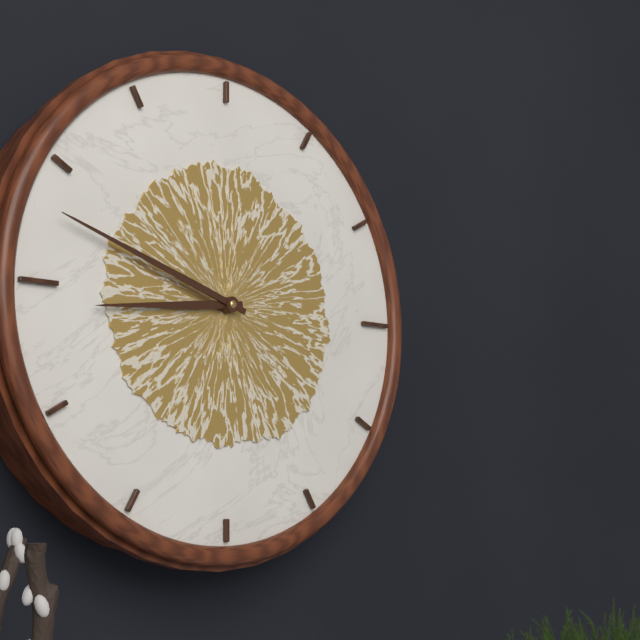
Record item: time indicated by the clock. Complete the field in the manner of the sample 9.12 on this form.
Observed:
8.48
